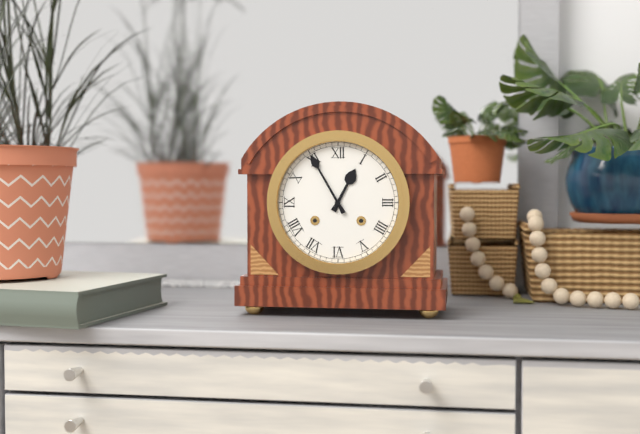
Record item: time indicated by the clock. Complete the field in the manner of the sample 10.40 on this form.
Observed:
12.55
